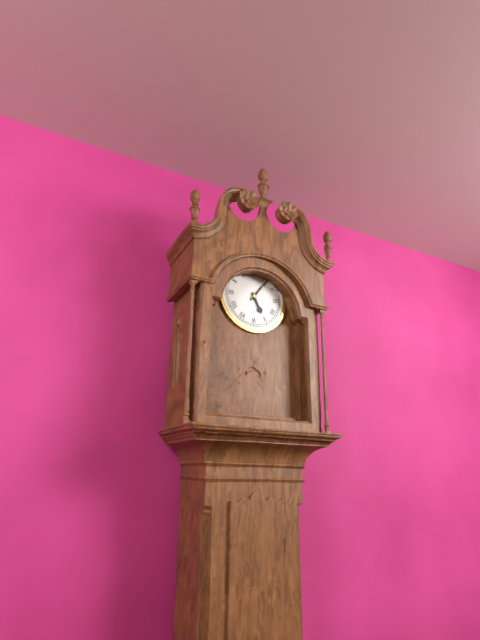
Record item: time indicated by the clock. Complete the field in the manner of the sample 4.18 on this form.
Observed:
5.06
